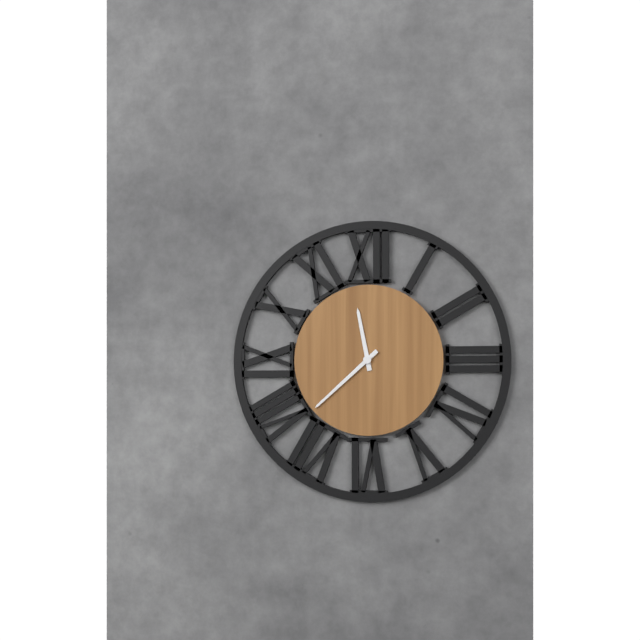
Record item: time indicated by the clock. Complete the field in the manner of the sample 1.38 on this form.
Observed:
11.38
